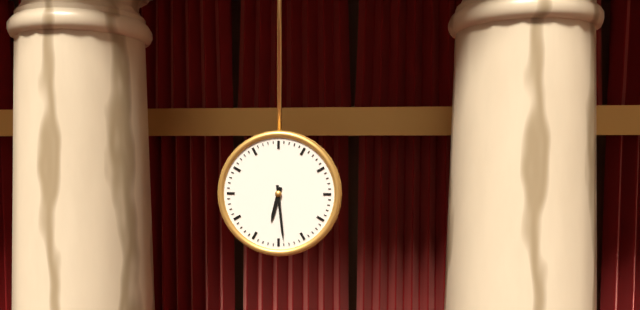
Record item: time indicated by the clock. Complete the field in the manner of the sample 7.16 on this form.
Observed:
6.29
